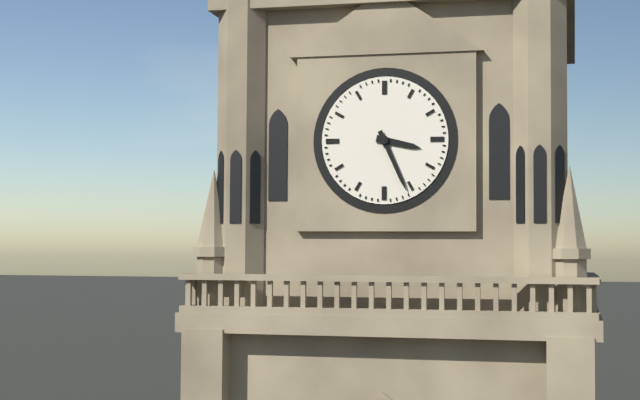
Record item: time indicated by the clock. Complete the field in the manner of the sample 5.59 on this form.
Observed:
3.26
